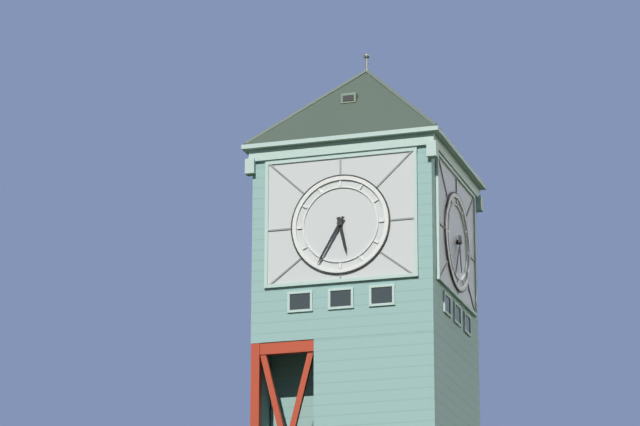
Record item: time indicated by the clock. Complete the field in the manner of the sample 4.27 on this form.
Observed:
5.35
